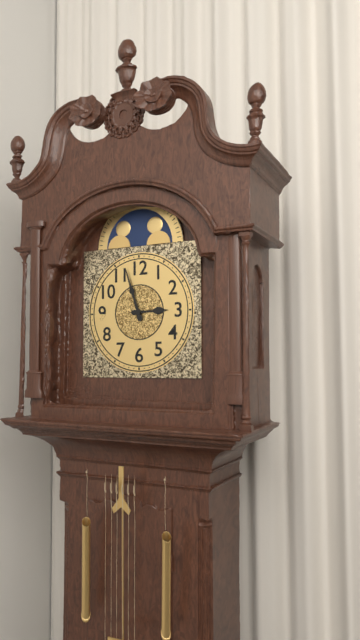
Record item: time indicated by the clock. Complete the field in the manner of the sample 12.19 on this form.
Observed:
2.57
